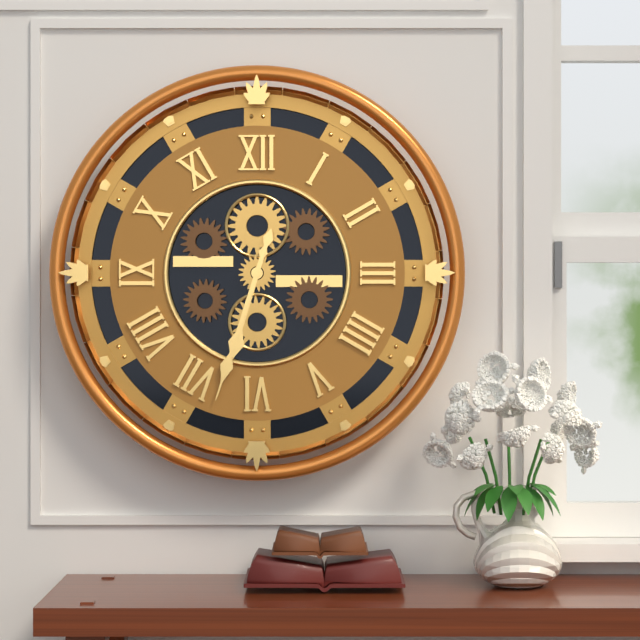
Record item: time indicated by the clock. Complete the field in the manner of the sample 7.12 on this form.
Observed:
6.33
